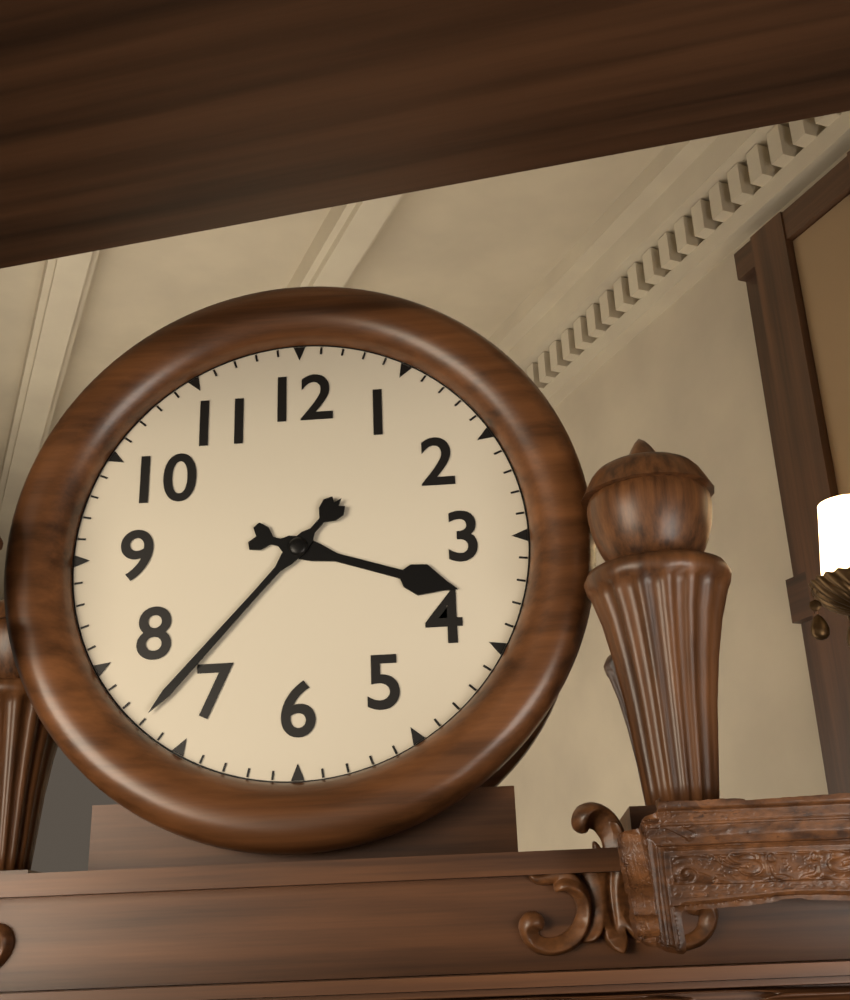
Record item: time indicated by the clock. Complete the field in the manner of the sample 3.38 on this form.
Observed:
3.37
